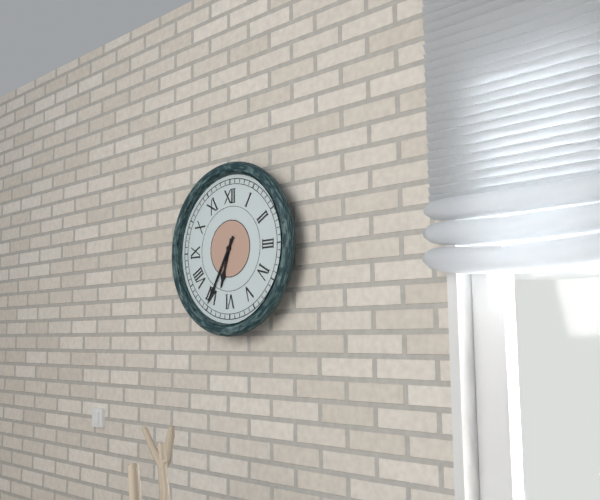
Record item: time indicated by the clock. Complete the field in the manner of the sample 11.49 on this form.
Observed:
6.35
